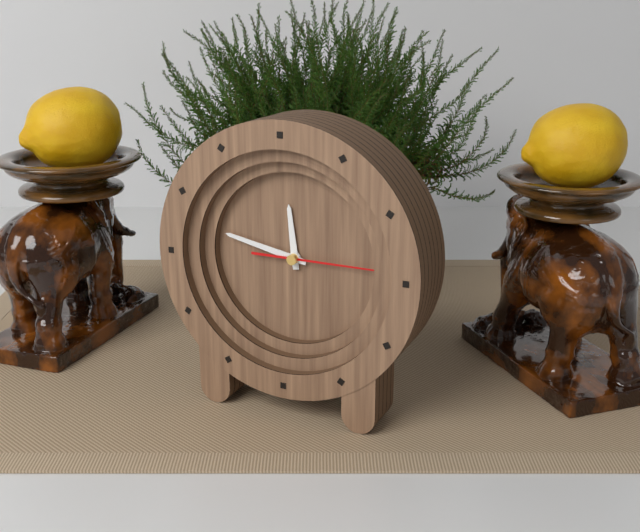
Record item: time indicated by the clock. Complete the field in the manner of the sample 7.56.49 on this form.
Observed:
11.47.15
